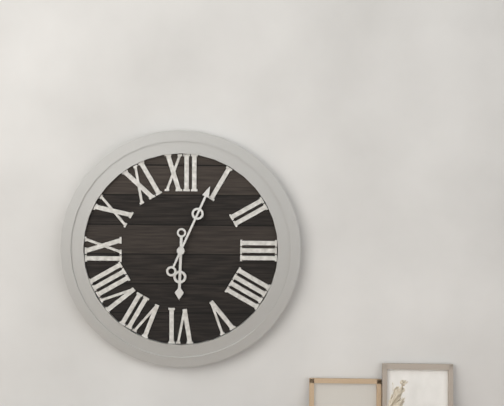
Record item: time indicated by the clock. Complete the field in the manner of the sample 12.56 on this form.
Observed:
6.04
